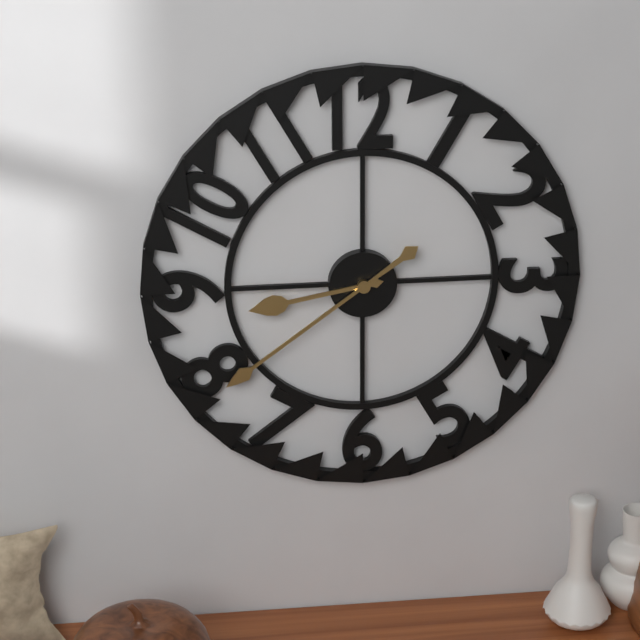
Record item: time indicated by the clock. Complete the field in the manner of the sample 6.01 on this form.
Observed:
8.39
